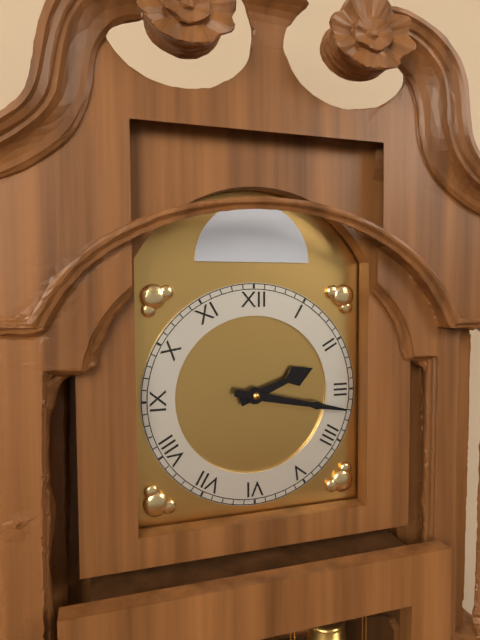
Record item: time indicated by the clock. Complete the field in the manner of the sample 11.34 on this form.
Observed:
2.17
